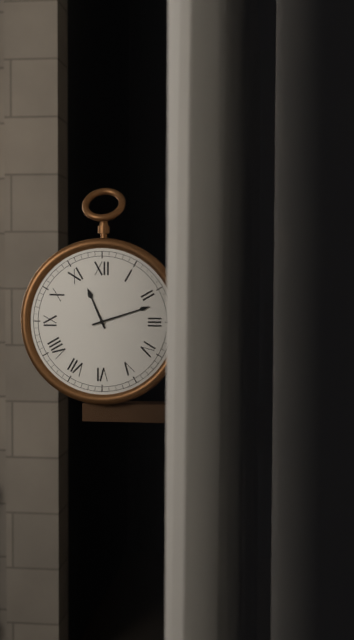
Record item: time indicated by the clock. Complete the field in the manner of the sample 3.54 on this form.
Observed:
11.12
